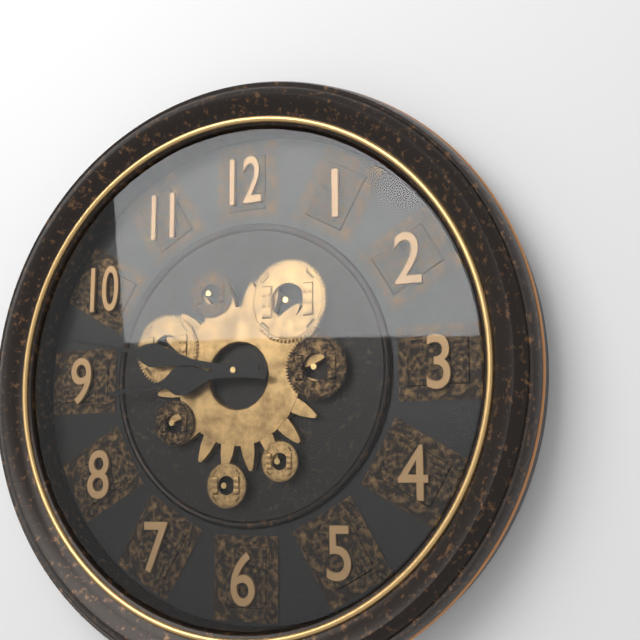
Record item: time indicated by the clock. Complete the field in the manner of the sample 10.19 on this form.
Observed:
8.47
